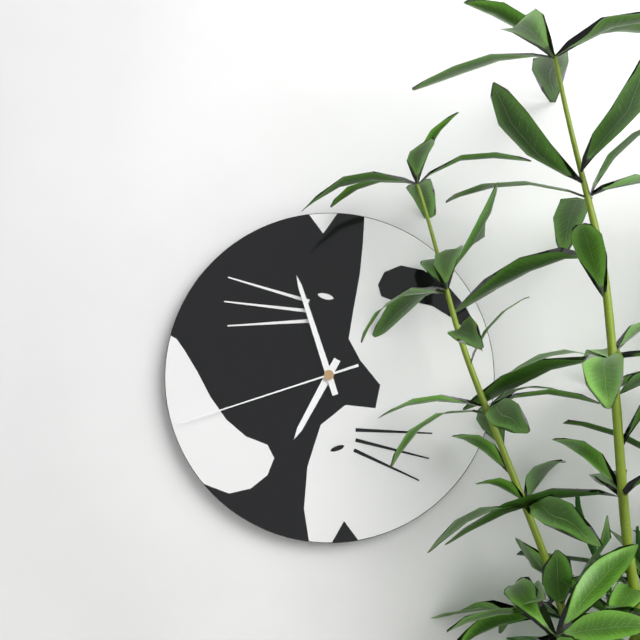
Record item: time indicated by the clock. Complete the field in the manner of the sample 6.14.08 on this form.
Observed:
6.57.42
